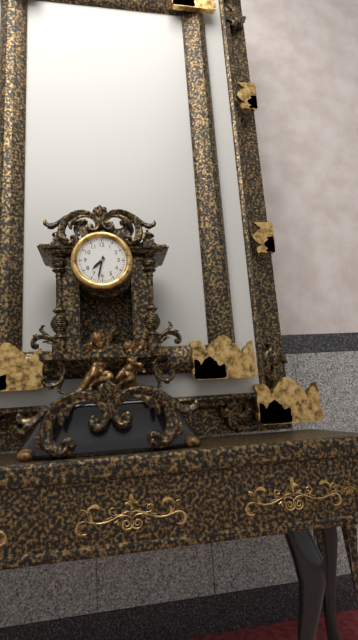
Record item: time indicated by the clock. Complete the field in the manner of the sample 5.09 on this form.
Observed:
7.32
